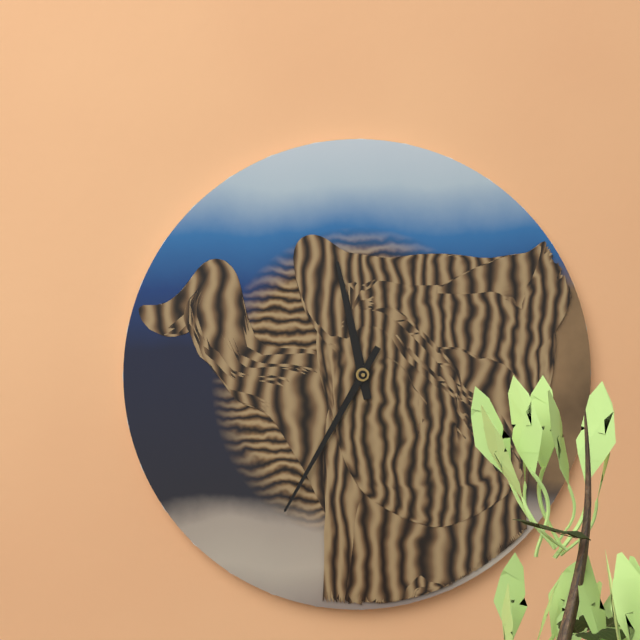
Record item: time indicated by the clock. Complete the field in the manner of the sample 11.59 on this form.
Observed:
11.35
